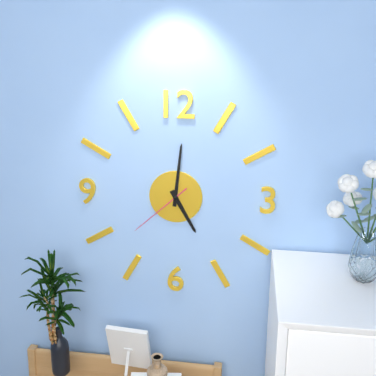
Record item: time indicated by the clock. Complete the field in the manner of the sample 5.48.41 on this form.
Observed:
5.01.38
